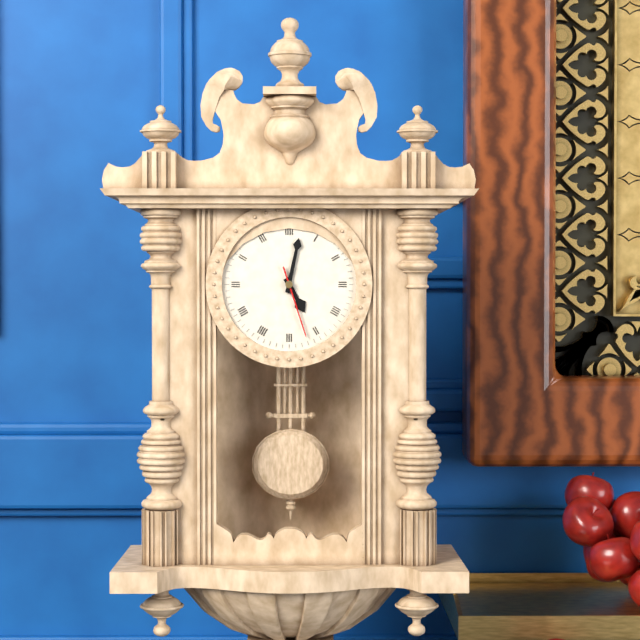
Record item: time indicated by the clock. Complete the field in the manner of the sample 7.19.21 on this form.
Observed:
5.02.27
